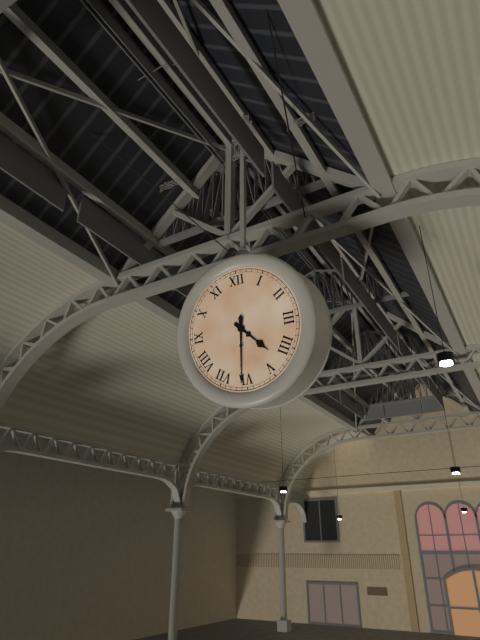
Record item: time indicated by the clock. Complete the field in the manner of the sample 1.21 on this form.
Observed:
4.31
